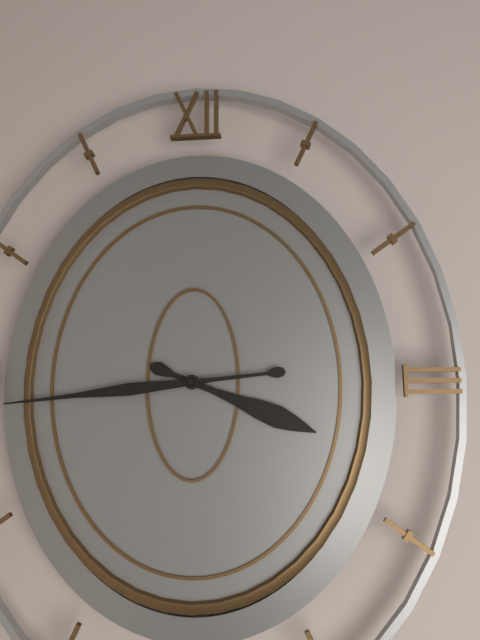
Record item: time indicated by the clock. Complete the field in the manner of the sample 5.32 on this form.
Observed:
3.44
